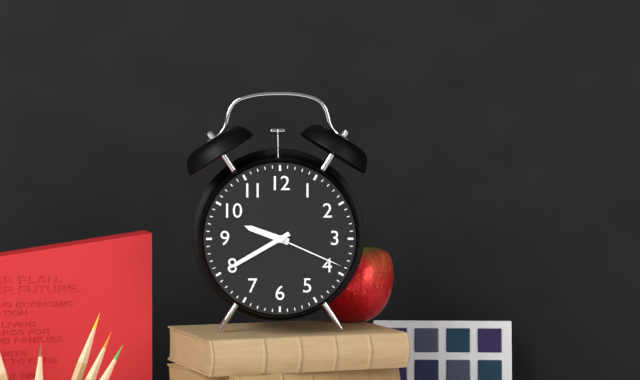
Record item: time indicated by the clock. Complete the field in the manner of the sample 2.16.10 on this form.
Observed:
9.40.19
